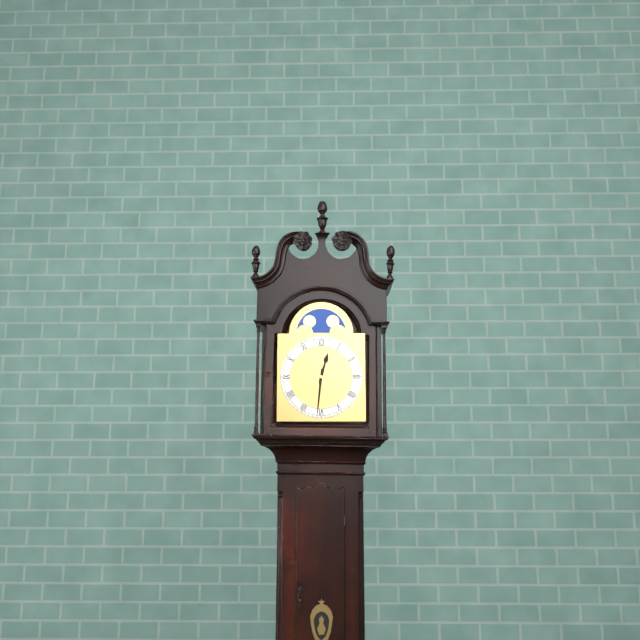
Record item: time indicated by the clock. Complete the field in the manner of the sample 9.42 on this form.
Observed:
12.31
